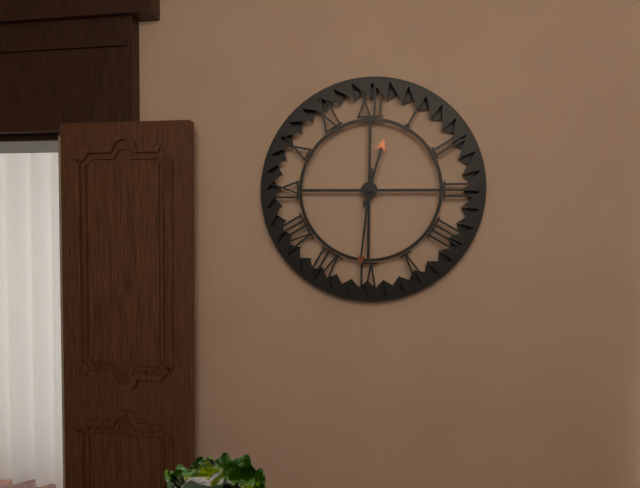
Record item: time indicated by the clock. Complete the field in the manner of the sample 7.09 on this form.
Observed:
12.31
